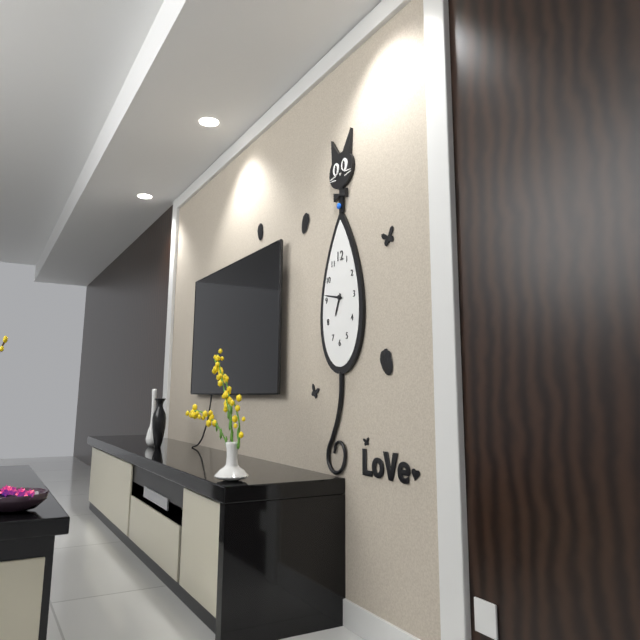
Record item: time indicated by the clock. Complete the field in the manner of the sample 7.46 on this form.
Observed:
6.47
